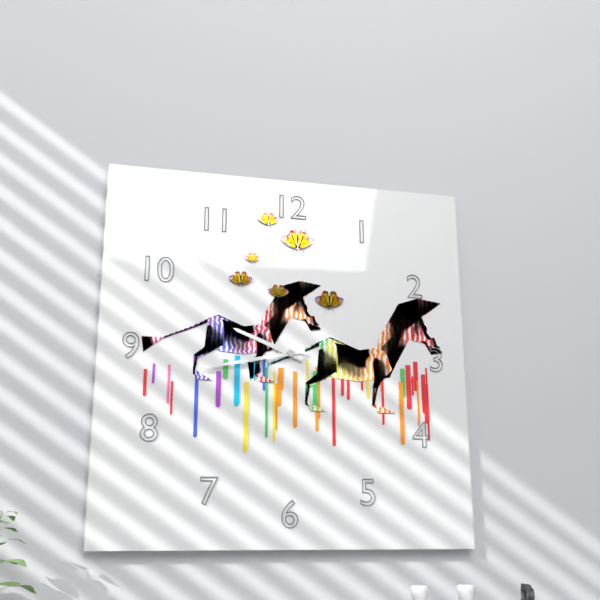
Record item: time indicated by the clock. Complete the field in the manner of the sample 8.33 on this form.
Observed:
9.43
